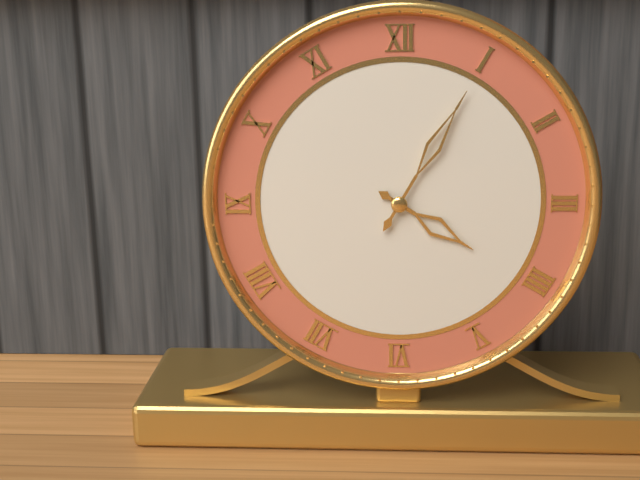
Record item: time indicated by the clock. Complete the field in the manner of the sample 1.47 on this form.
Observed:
4.05
